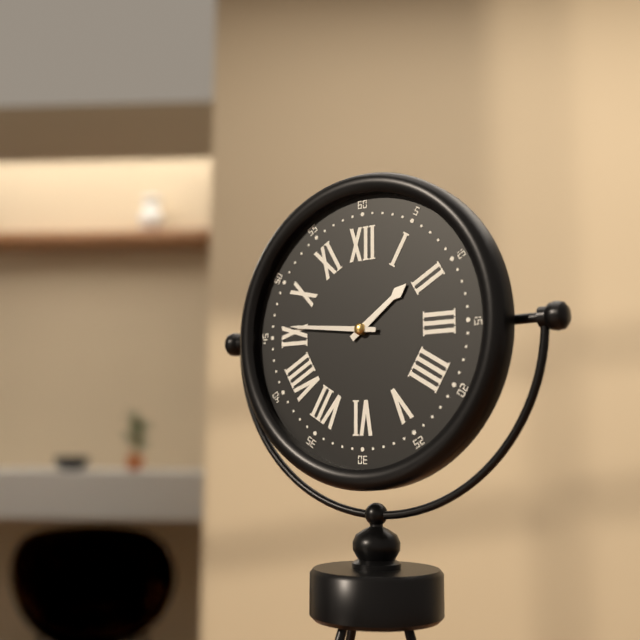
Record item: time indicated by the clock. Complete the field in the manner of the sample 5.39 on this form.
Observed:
1.46
